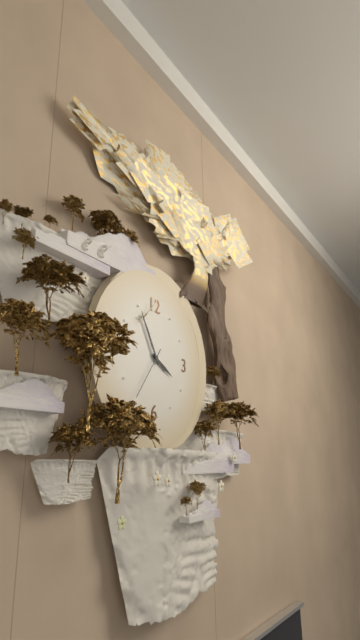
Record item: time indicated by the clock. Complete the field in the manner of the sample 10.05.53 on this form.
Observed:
3.55.36
